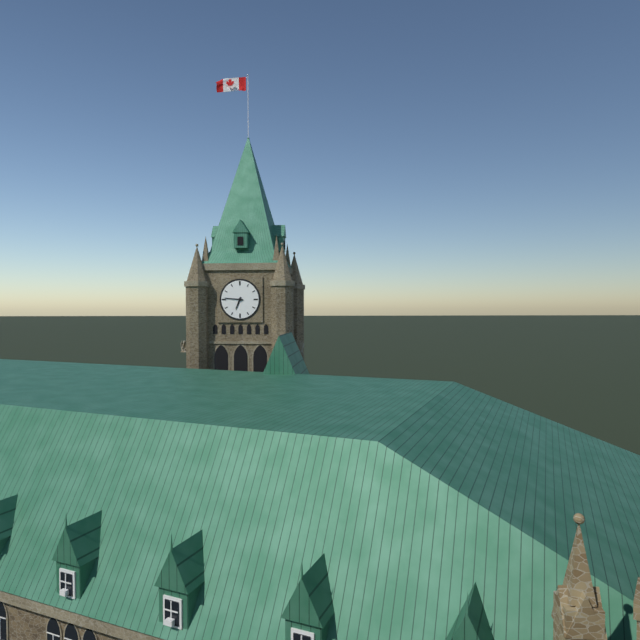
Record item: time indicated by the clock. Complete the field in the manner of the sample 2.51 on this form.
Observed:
6.46
